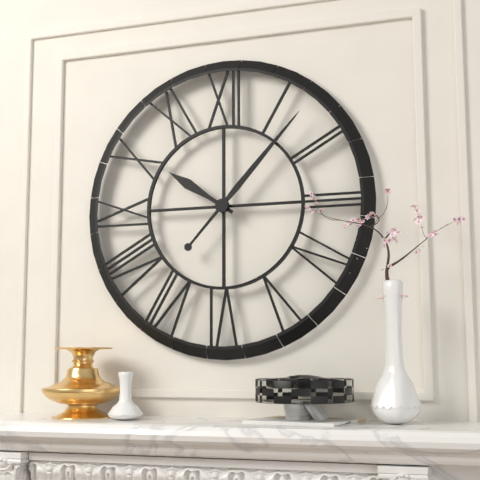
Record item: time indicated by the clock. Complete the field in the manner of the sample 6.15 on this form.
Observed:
10.07
